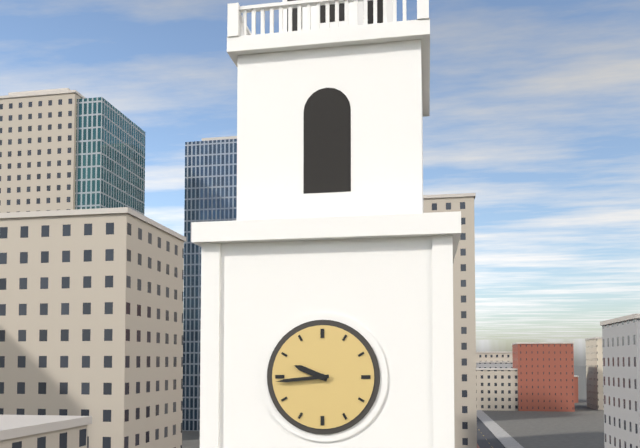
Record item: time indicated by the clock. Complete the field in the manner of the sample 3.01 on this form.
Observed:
9.44
